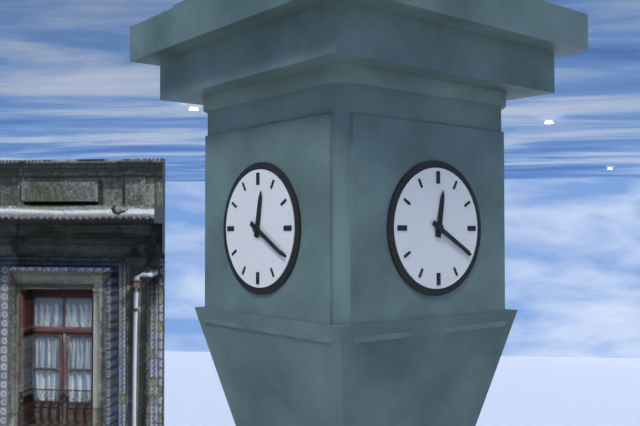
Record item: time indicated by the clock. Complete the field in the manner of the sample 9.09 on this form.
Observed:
12.20
